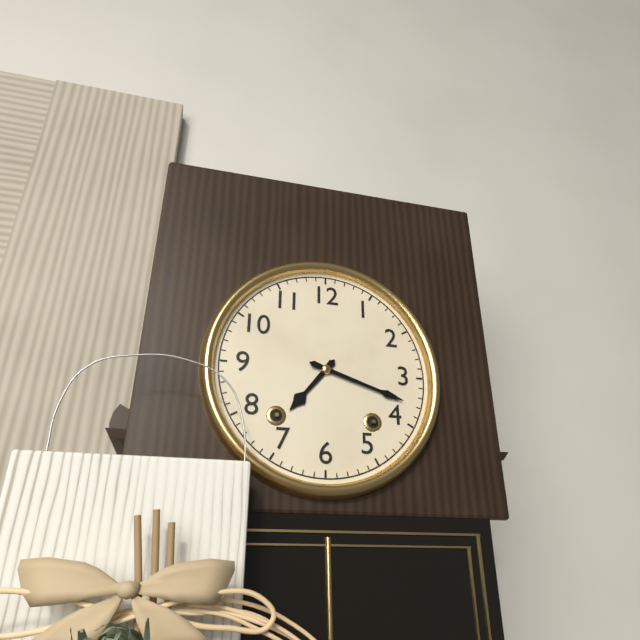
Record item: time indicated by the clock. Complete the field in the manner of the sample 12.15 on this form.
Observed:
7.18
